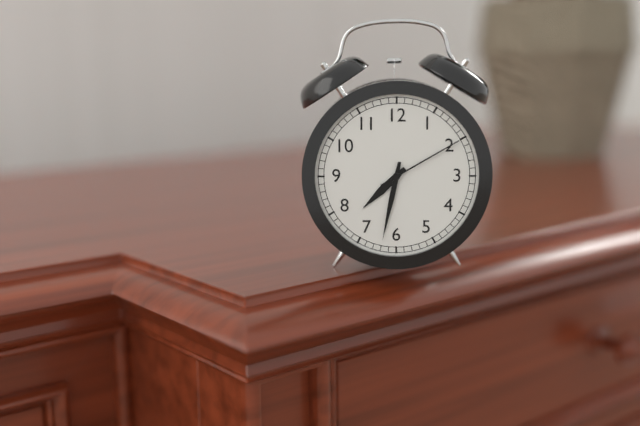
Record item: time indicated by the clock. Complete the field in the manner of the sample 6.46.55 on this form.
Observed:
7.32.10
